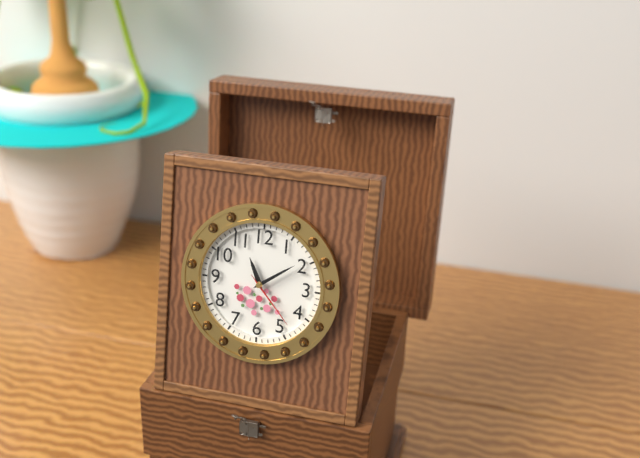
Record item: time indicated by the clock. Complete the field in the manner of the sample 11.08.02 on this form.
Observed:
11.09.23
